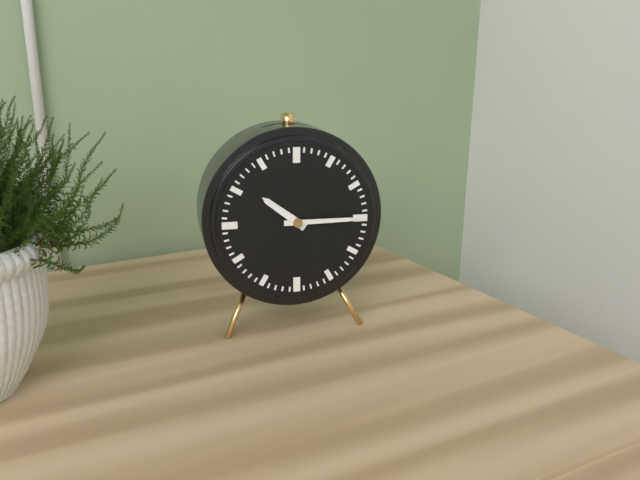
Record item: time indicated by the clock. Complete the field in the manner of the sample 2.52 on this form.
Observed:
10.15
